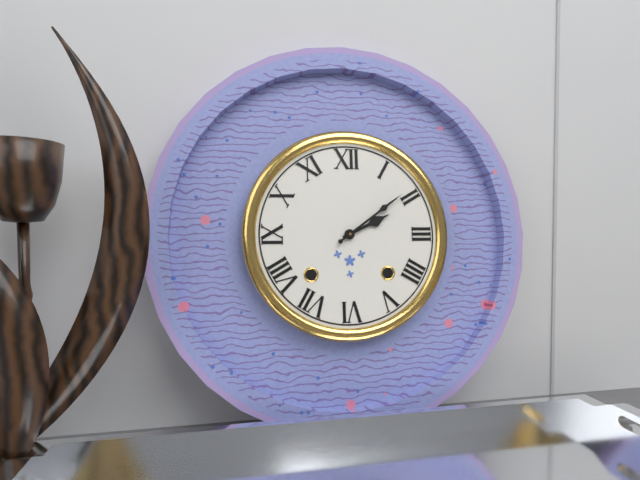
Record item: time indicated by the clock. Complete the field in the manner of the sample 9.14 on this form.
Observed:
2.09
